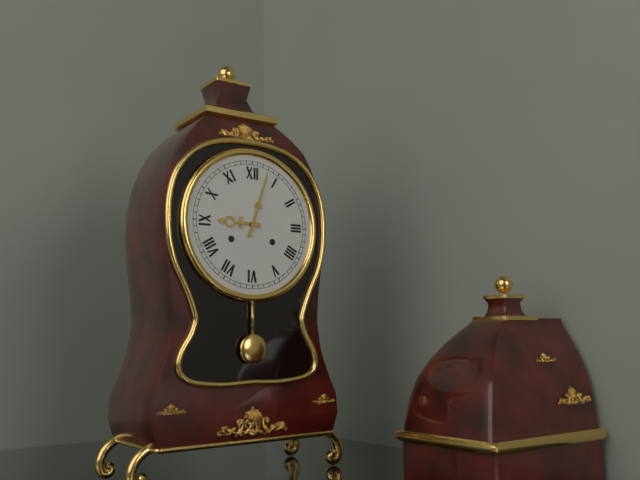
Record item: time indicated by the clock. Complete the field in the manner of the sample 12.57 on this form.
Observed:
9.03
